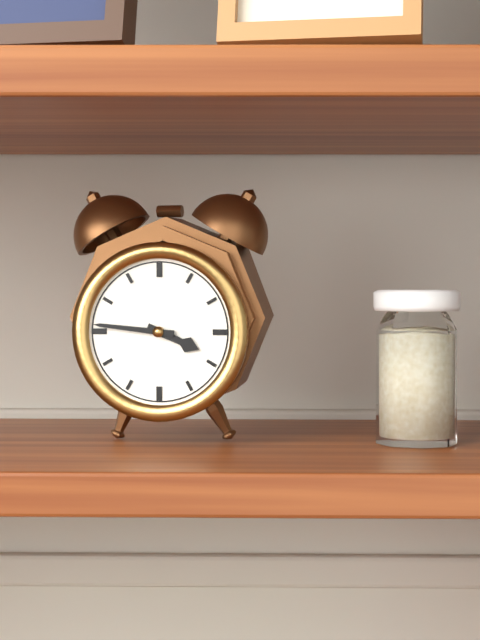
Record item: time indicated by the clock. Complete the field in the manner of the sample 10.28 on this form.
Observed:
3.46
